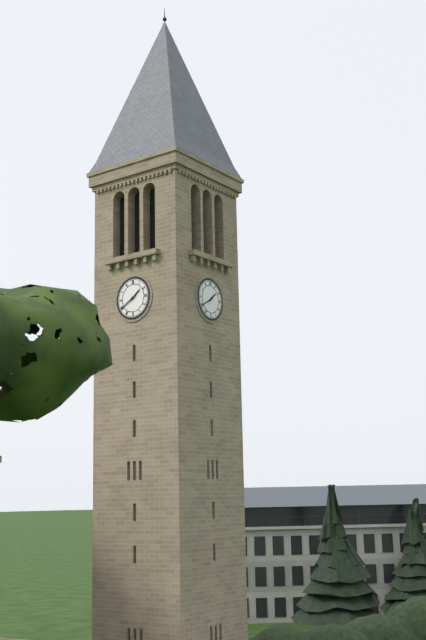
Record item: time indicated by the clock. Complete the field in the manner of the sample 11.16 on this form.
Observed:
1.40
